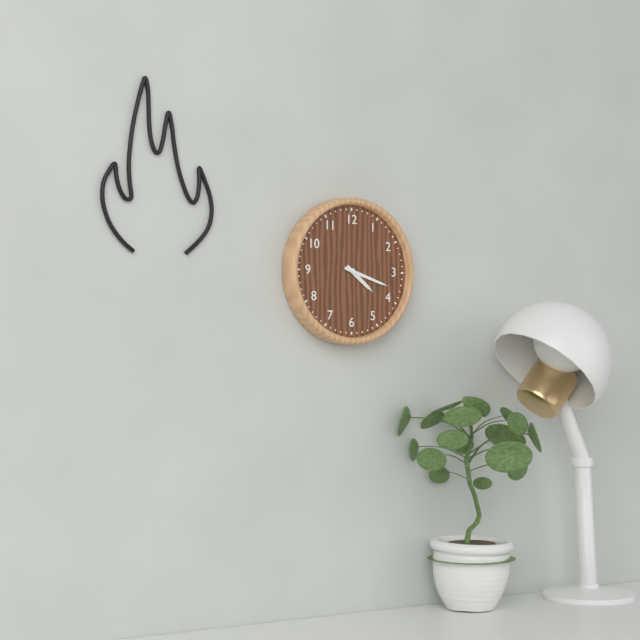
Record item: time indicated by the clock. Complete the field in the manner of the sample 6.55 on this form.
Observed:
4.18
